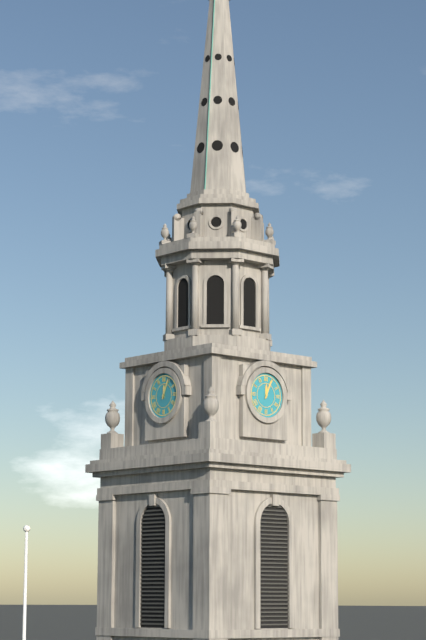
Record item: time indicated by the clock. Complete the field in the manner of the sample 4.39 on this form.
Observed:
12.04
